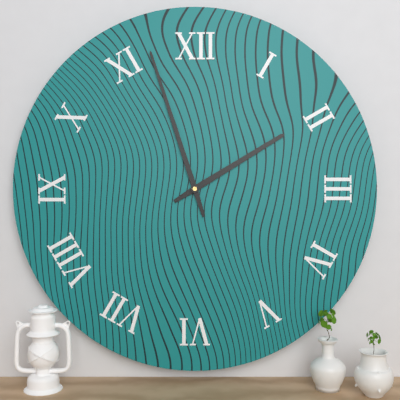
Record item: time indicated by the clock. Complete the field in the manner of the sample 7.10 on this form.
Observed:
1.57
